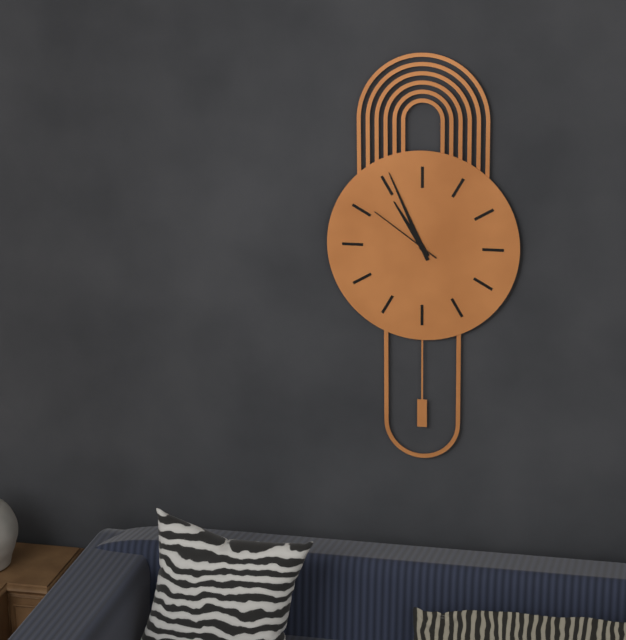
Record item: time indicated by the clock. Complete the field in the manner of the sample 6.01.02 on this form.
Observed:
10.56.51
